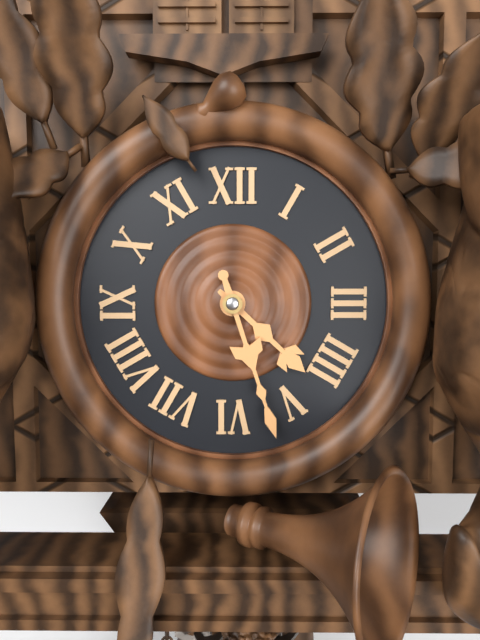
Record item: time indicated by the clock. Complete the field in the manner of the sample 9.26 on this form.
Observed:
4.27
